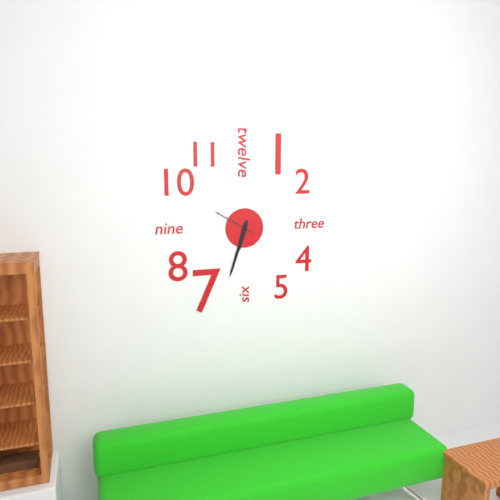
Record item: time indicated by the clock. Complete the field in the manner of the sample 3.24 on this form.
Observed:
6.33
